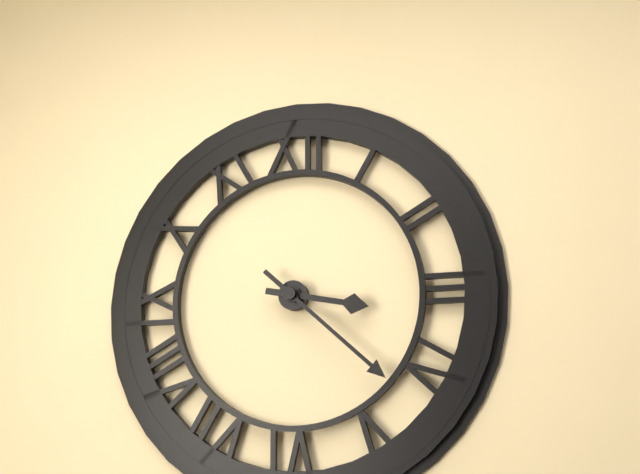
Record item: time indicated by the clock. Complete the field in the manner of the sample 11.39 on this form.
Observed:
3.22
